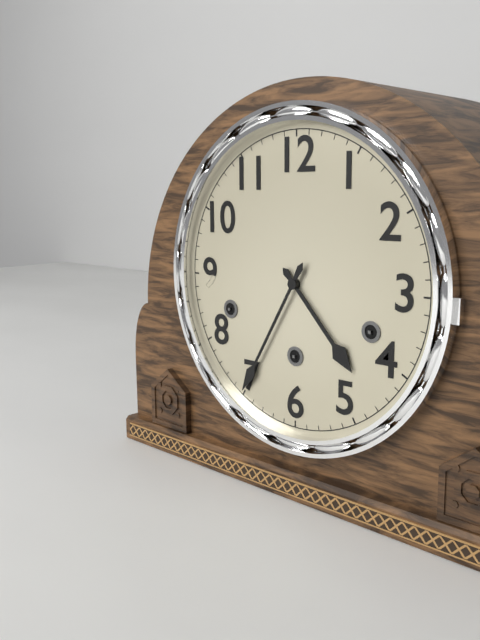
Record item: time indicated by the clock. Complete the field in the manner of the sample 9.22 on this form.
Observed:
4.35
